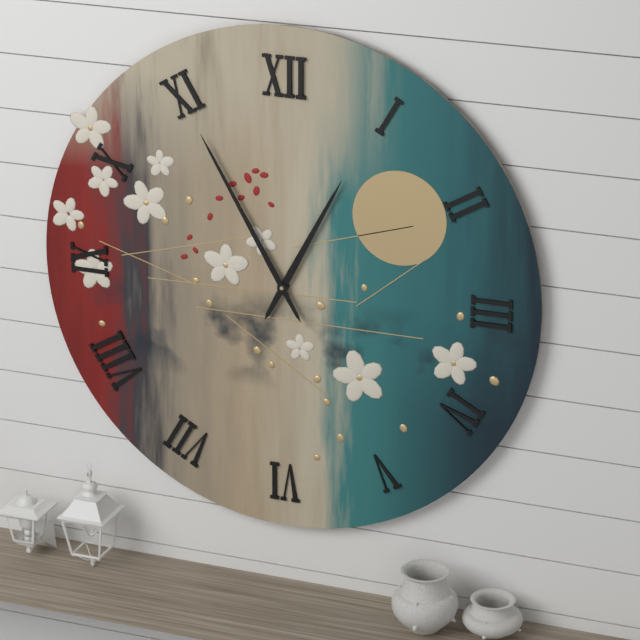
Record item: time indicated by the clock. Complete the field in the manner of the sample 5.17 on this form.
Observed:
12.55
